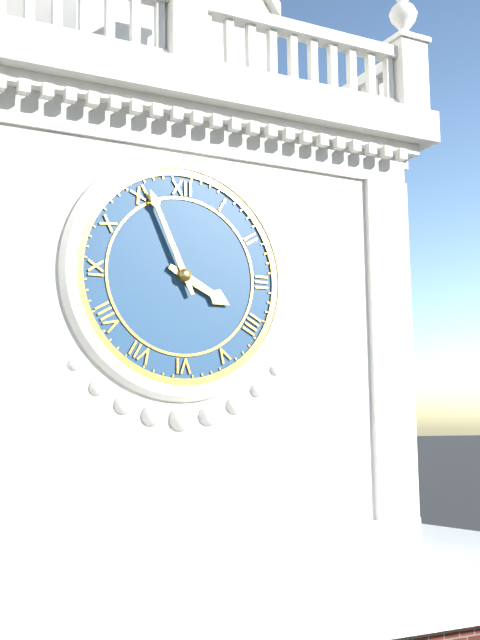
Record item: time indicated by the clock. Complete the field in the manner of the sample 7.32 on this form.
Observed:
3.56
